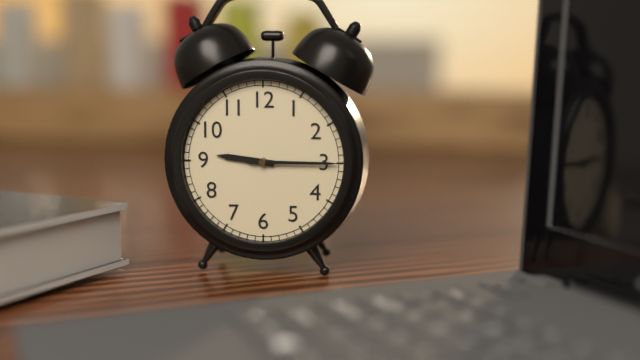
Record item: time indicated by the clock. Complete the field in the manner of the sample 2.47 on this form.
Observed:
9.15
